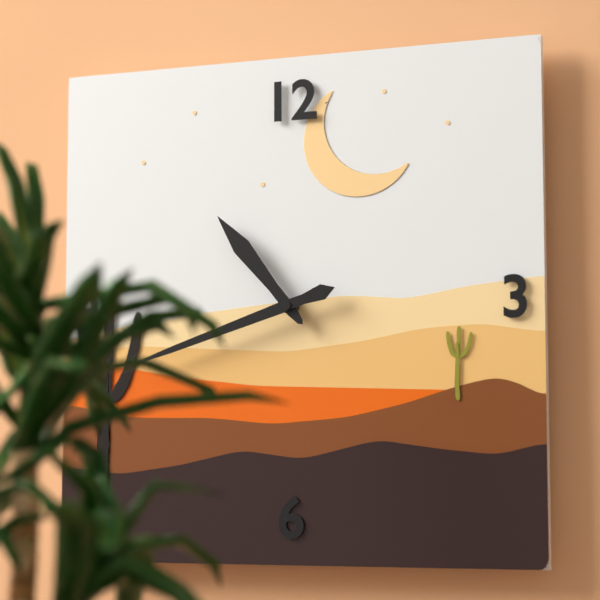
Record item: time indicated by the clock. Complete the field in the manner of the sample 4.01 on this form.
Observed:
10.42
